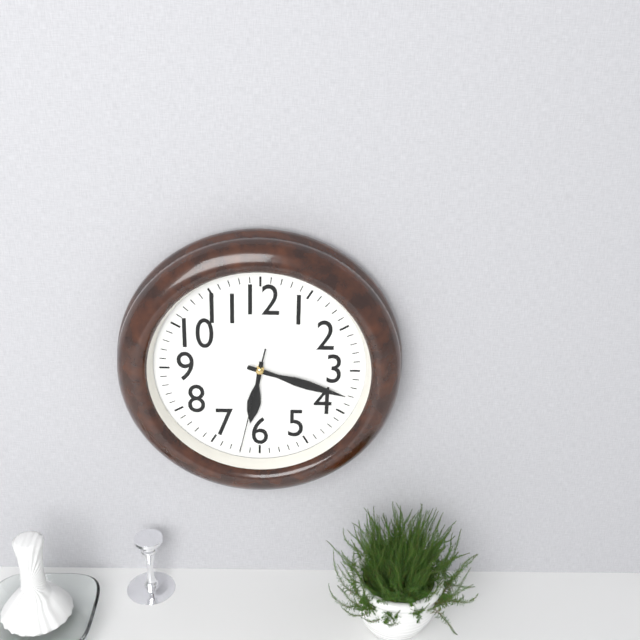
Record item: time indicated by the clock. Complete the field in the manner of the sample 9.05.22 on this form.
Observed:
6.18.32
